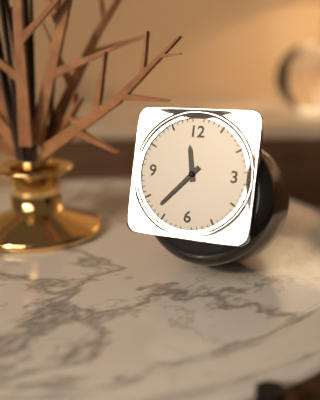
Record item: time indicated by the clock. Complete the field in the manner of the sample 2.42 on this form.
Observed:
11.37
